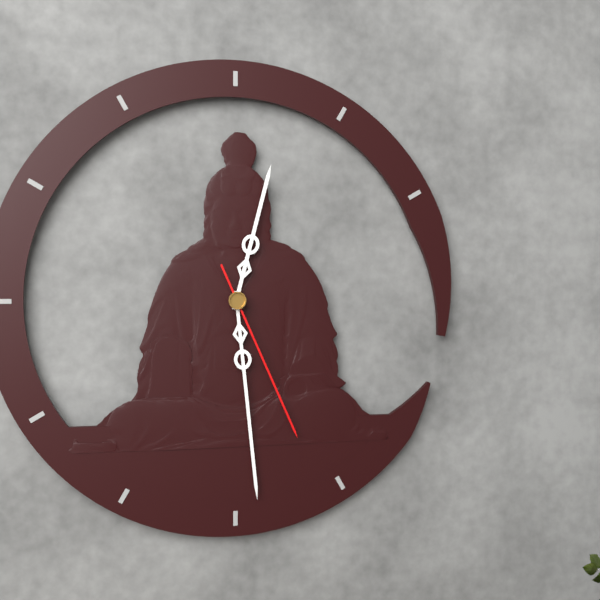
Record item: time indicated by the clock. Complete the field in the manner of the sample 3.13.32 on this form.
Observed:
12.29.26
